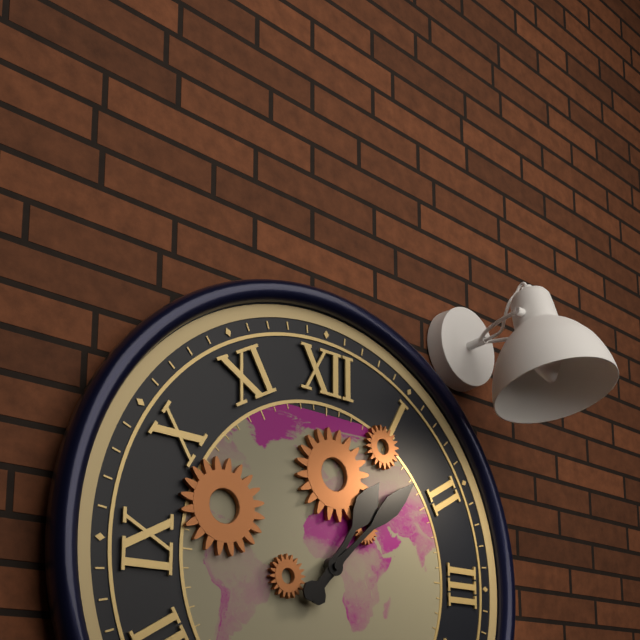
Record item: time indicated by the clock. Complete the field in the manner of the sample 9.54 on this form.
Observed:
1.08
